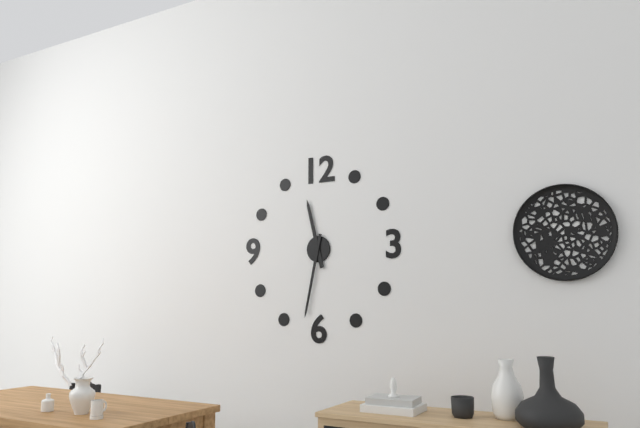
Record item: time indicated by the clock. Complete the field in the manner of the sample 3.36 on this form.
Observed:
11.32
